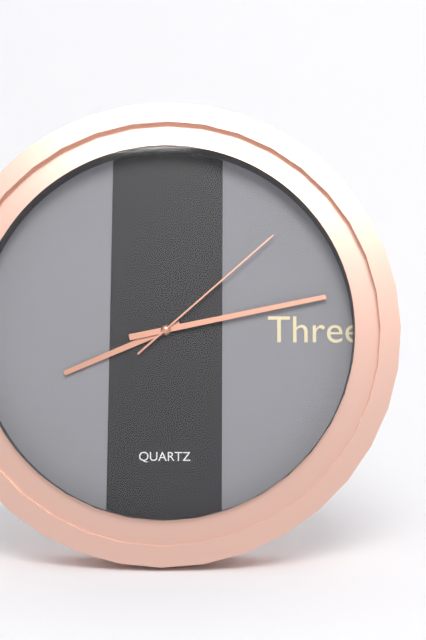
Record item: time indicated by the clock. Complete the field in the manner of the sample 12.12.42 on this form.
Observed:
8.13.08
